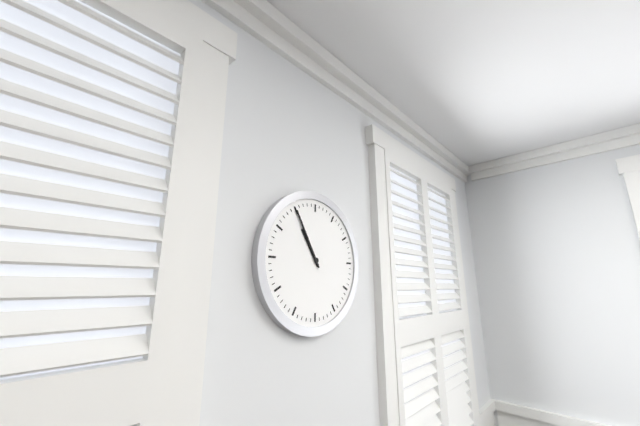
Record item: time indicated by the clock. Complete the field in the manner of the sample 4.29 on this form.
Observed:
10.55
